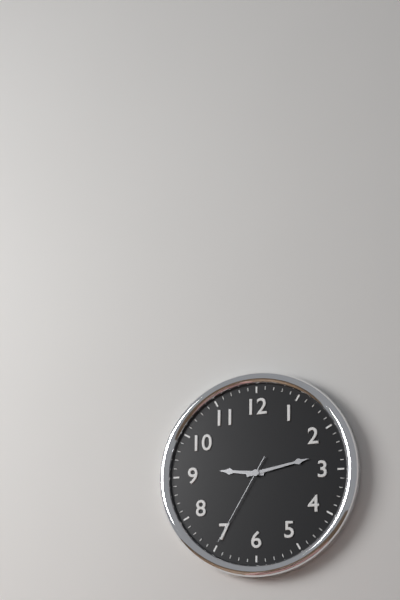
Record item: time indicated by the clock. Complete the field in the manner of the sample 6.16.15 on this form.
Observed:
9.13.35
